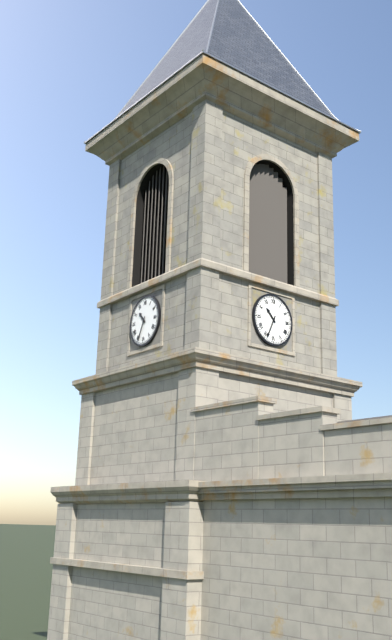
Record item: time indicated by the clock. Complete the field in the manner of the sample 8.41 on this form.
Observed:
10.34
